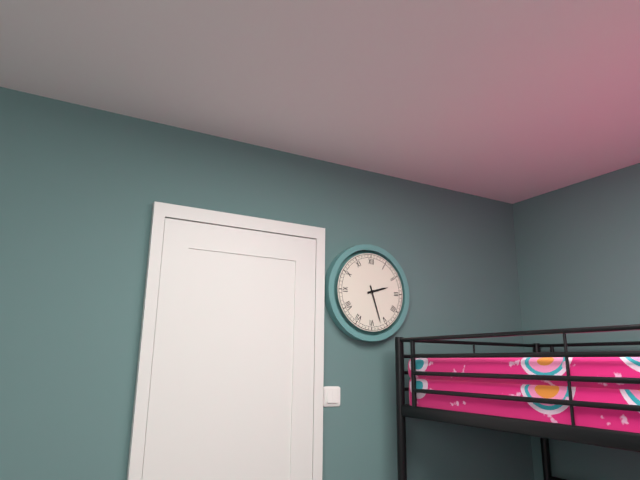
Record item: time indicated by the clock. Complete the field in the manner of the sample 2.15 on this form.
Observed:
2.27
